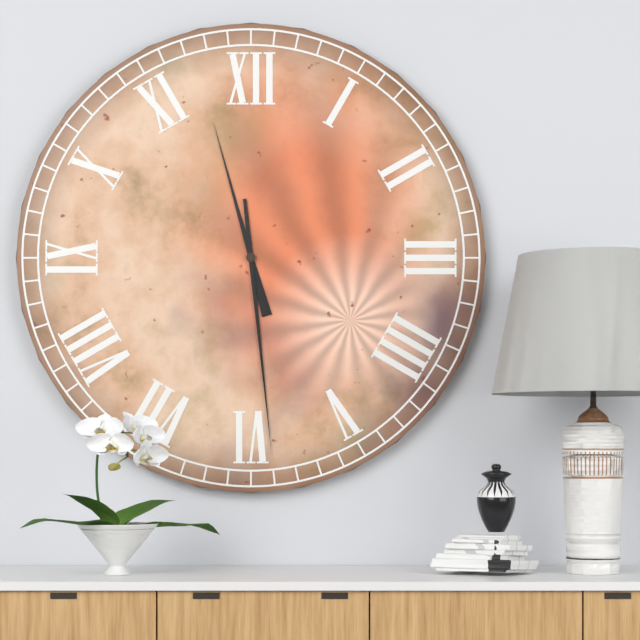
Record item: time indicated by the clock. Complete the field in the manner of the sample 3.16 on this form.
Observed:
11.29
